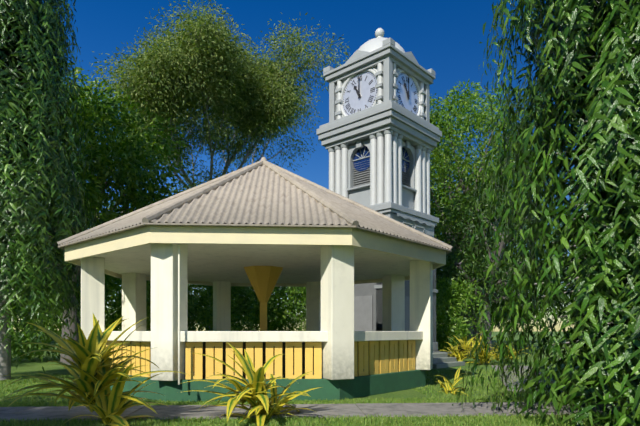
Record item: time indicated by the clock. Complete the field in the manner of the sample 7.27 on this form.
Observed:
11.00
